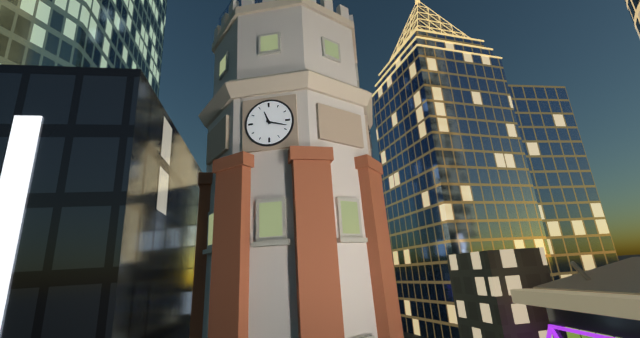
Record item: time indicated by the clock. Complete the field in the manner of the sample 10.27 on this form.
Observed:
11.18
